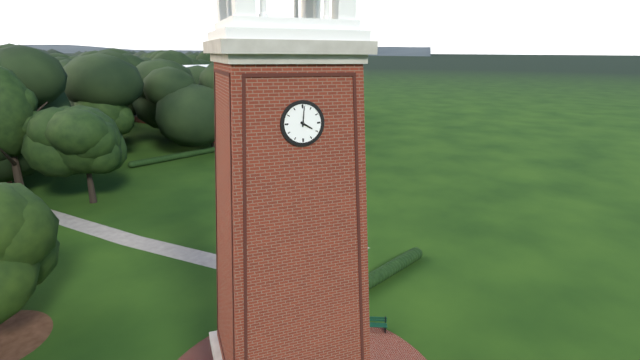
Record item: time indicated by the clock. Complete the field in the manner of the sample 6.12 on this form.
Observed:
4.01
